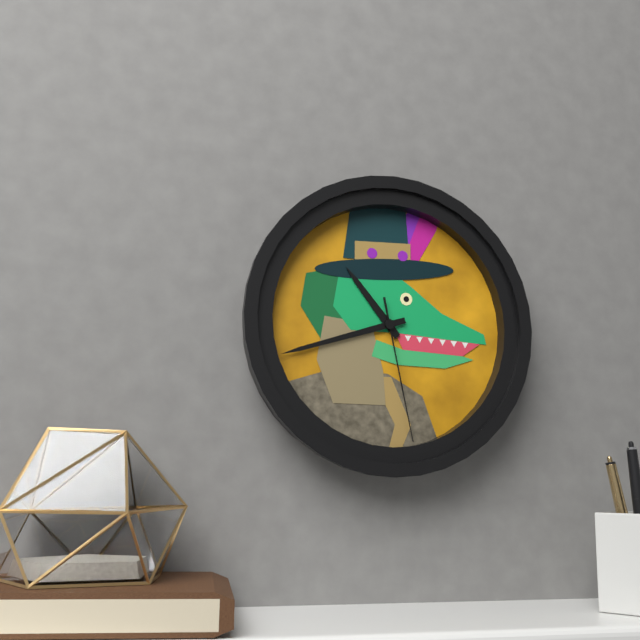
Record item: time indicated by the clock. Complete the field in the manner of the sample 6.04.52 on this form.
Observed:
10.42.28
